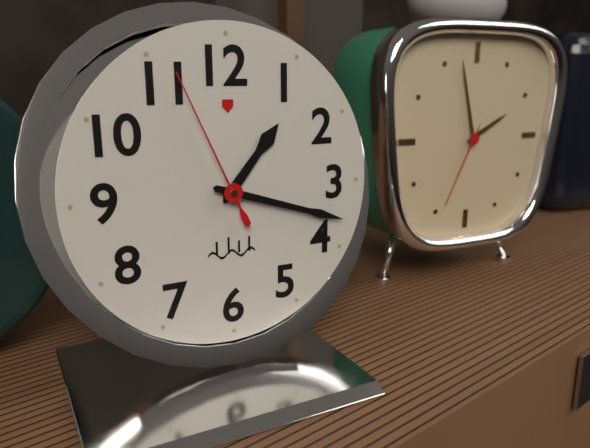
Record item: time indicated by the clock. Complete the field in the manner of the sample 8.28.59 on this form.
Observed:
1.18.56
